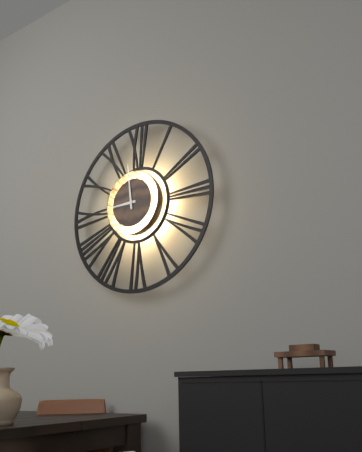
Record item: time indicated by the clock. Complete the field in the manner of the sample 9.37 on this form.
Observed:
8.59
